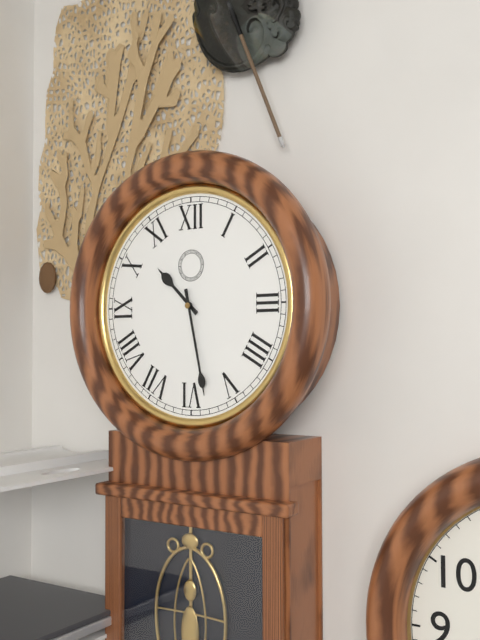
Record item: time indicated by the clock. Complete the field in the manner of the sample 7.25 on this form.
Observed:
10.28
